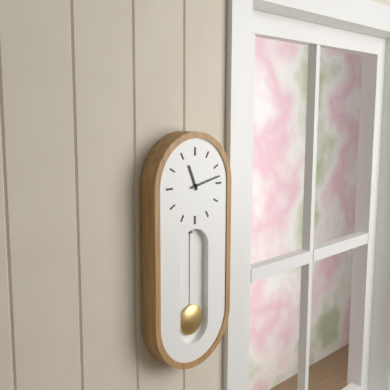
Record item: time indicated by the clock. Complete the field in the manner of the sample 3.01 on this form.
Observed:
11.13
